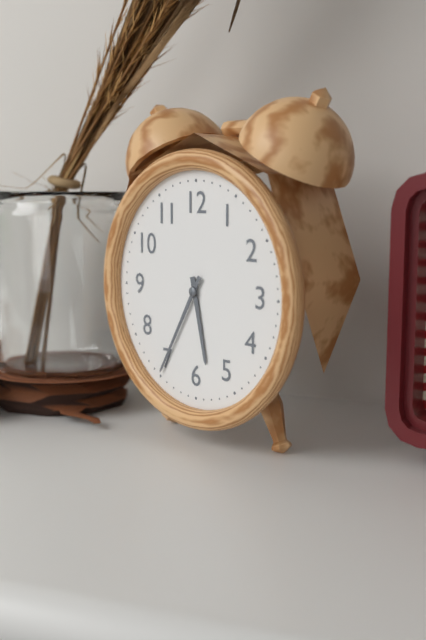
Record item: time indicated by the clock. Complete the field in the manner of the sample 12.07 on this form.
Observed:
5.35
